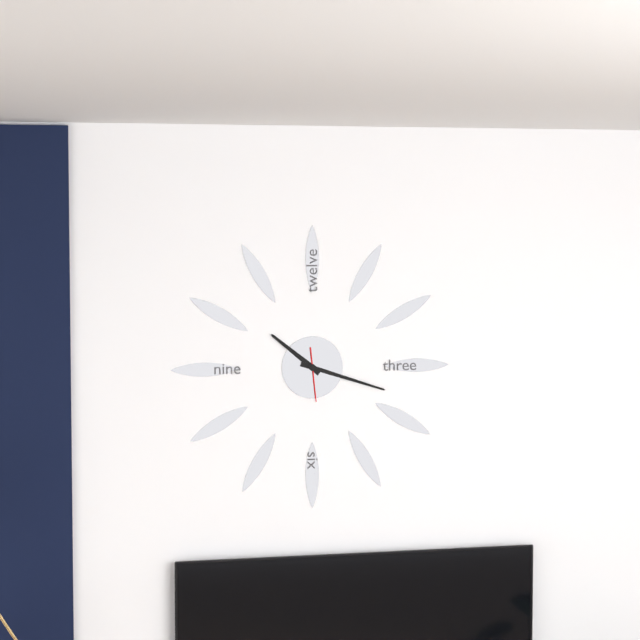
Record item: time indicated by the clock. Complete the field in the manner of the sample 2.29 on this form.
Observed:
10.18
